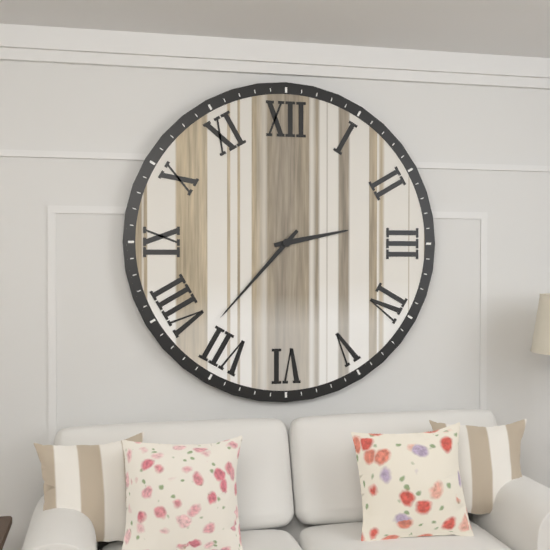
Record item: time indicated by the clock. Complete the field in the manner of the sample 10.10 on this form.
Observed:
2.37
